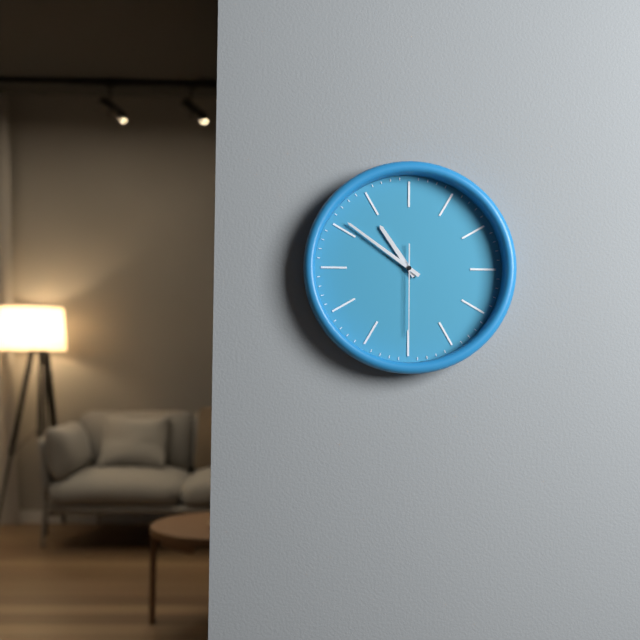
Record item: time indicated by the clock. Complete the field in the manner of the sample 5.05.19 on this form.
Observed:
10.51.30
